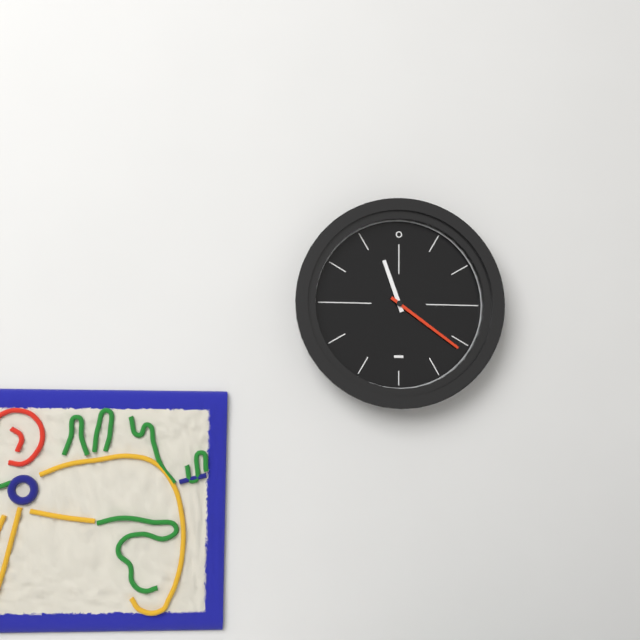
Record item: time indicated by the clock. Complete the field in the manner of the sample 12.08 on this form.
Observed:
11.21
